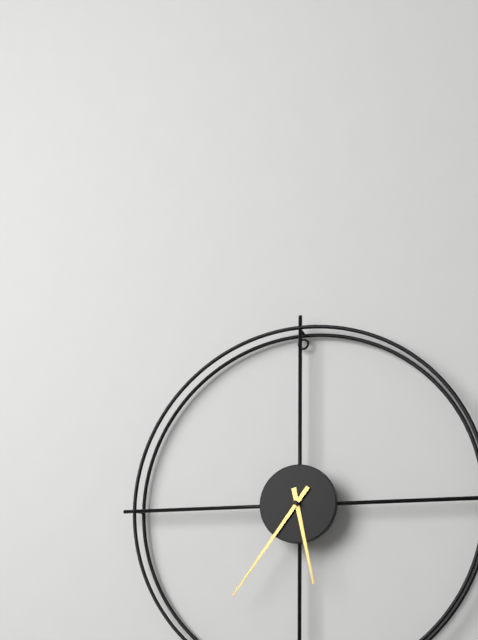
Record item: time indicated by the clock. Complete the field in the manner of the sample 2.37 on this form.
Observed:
5.36
